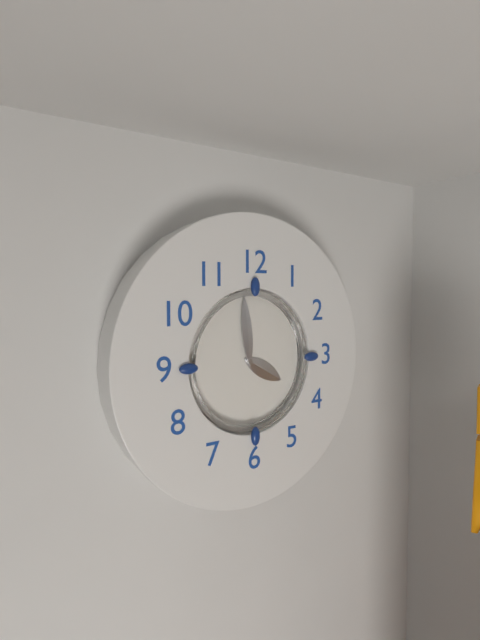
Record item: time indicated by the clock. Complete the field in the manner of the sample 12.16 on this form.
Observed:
3.59
